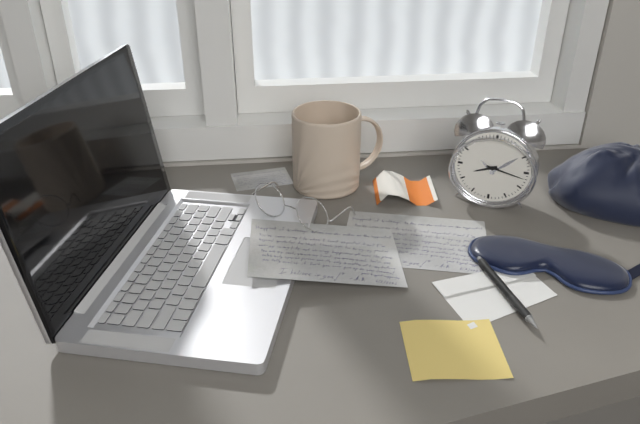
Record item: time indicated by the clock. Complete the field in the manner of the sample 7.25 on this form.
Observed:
8.17
